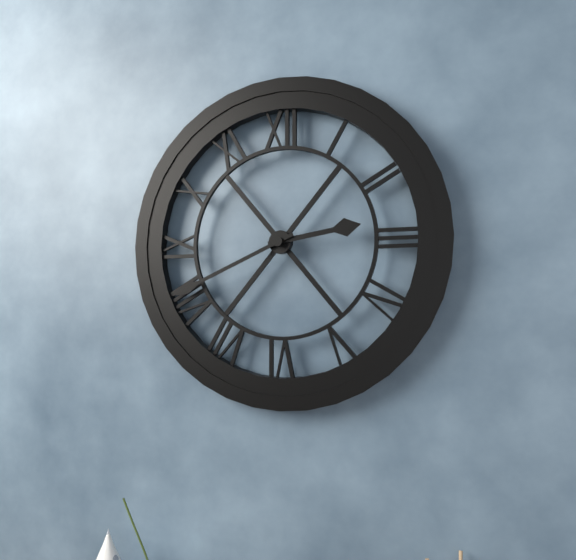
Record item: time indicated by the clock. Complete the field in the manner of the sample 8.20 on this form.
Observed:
2.41
